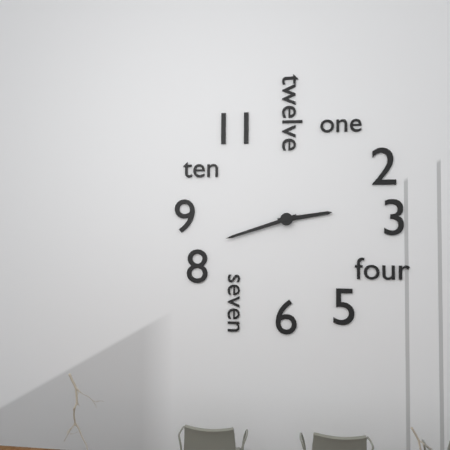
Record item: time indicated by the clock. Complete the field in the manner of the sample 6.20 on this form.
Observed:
2.42
